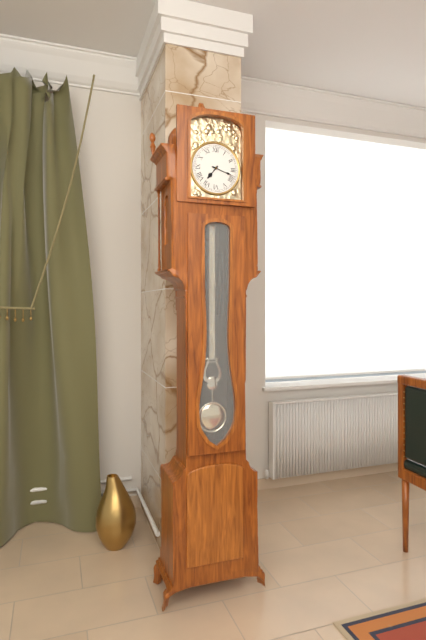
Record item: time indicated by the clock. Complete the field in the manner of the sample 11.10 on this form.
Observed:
7.18
